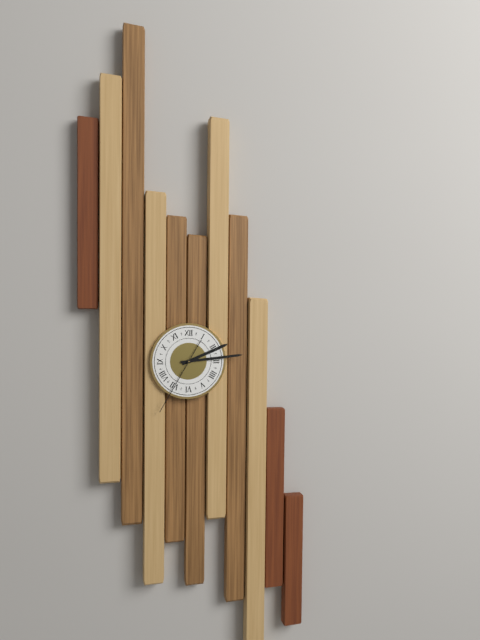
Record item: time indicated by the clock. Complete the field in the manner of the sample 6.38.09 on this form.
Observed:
2.14.35
